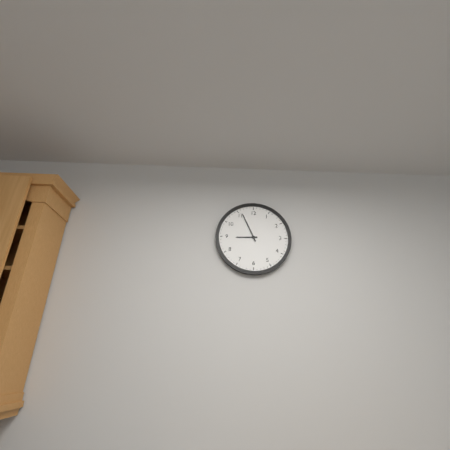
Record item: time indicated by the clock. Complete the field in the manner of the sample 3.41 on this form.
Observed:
8.56
